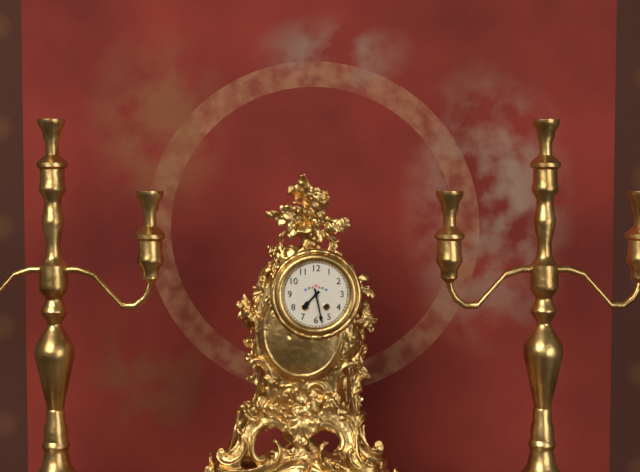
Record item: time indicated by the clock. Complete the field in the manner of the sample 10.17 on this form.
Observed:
7.28
